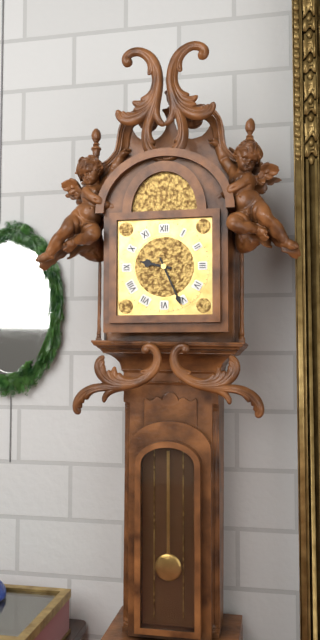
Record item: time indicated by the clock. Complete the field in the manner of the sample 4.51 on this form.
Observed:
9.26
